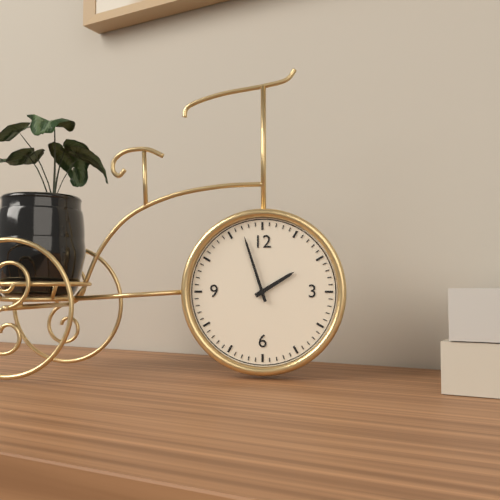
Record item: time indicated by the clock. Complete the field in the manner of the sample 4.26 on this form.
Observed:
1.57
